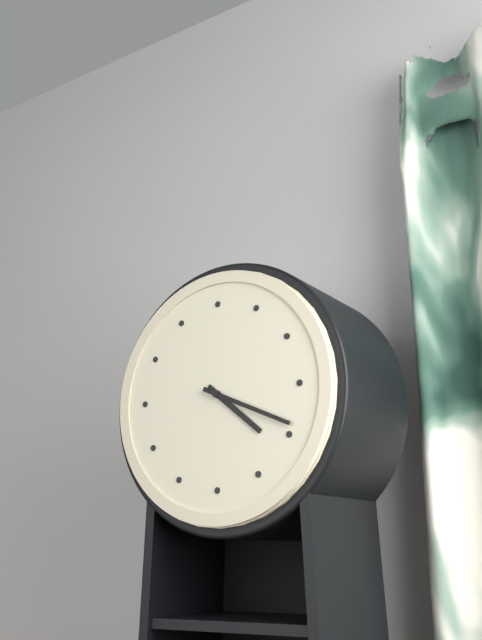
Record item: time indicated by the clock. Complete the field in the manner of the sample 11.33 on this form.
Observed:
4.19
